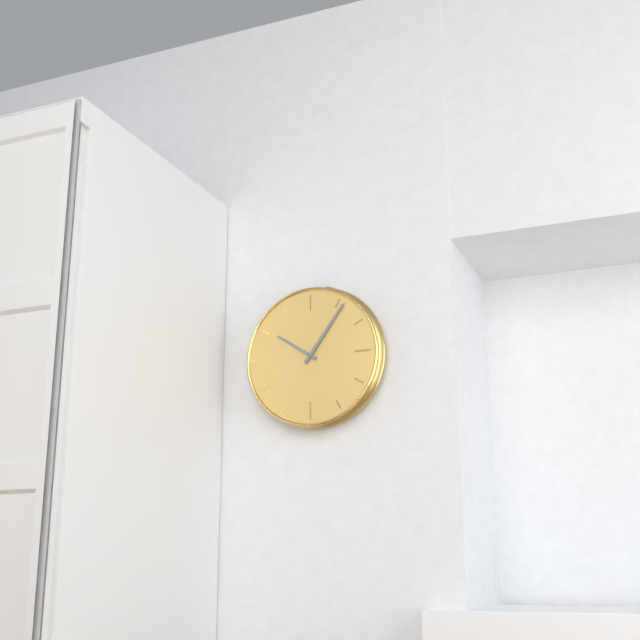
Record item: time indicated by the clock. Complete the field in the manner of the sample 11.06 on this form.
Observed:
10.06
